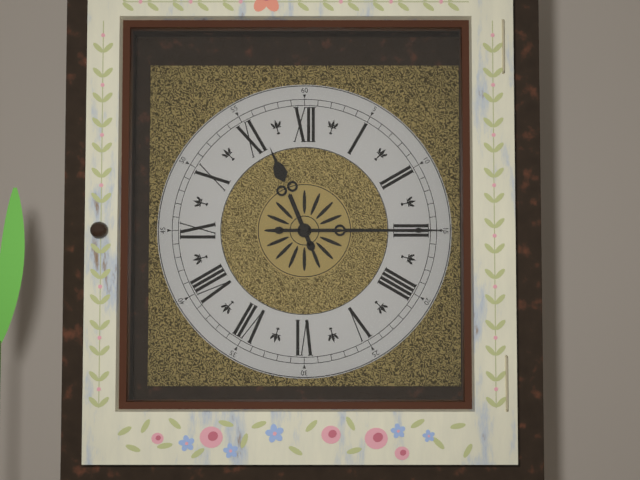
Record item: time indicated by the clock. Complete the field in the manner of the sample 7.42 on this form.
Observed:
11.15
